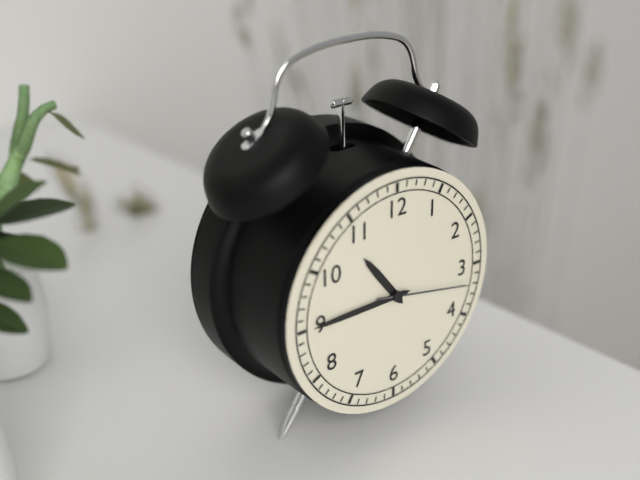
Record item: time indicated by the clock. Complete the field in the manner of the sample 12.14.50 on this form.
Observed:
10.45.17
